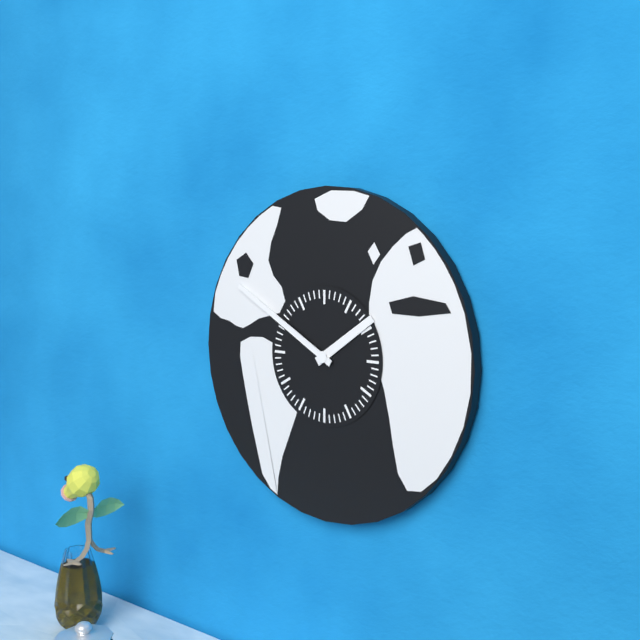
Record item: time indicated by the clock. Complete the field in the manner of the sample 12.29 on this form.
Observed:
1.50
